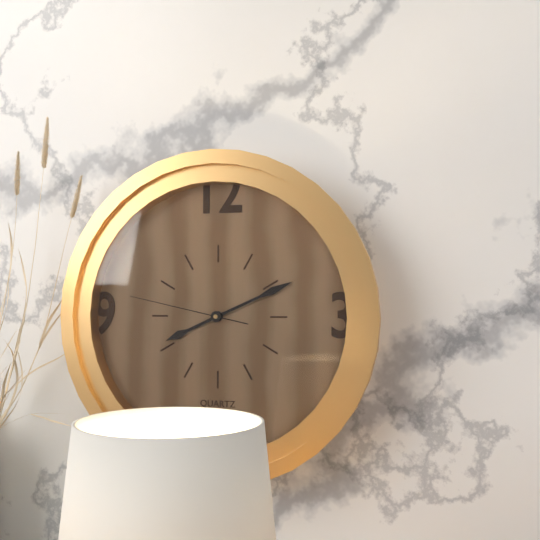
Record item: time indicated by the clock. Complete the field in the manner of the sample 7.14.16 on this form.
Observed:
8.11.47
